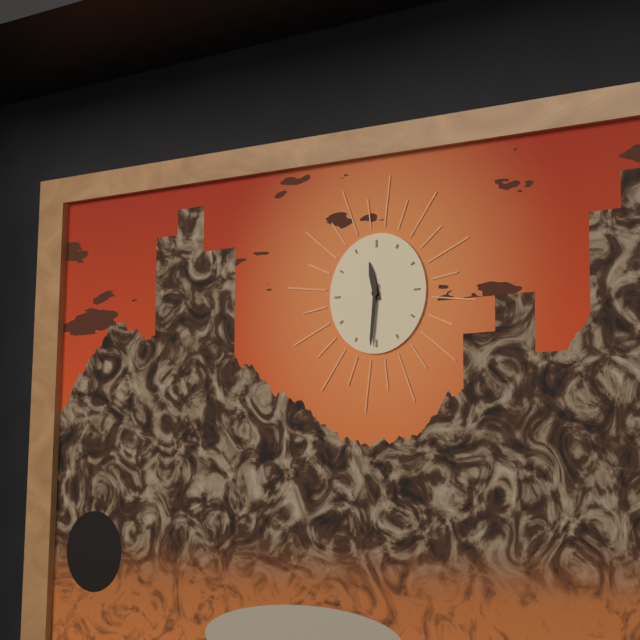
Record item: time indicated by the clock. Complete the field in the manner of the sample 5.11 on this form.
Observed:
11.31
